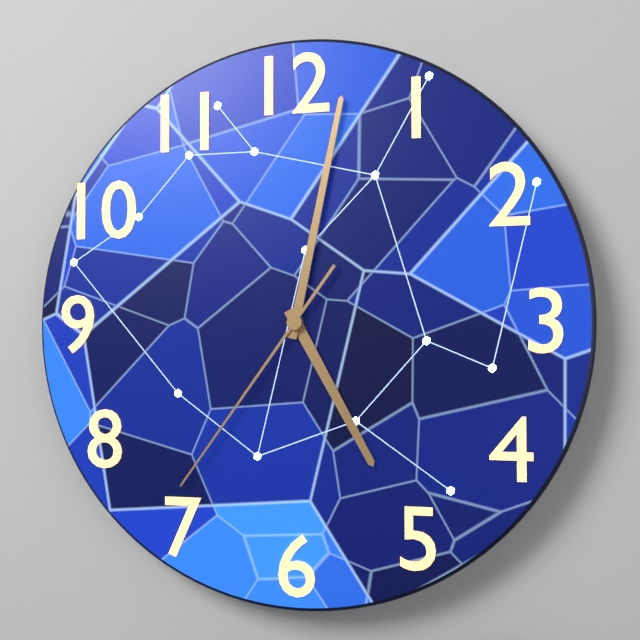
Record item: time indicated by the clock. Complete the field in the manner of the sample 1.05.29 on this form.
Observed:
5.02.36
